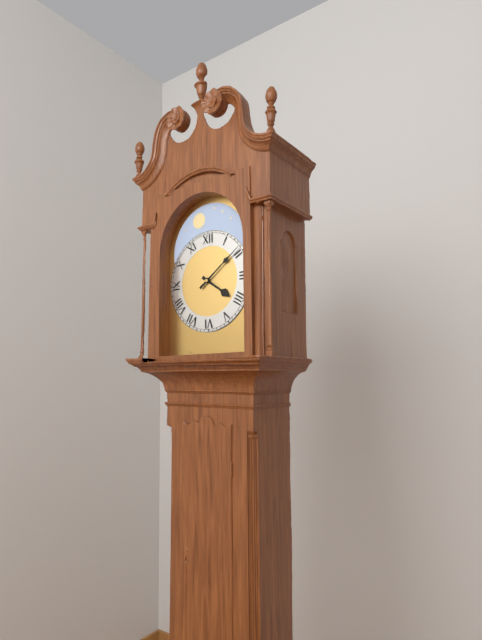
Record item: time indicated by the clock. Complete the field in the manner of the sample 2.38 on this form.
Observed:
4.09
